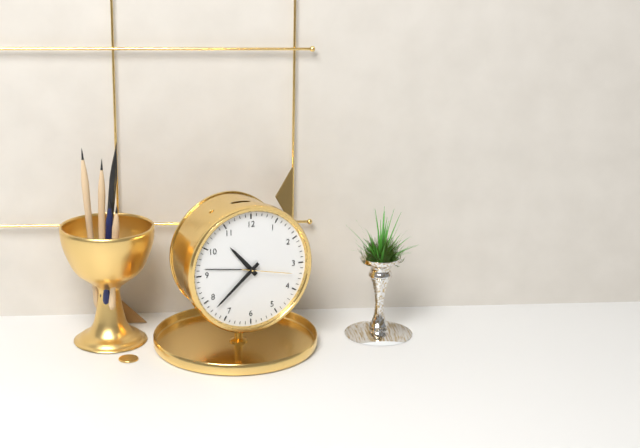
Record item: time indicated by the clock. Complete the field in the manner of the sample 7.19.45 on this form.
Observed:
10.38.17
